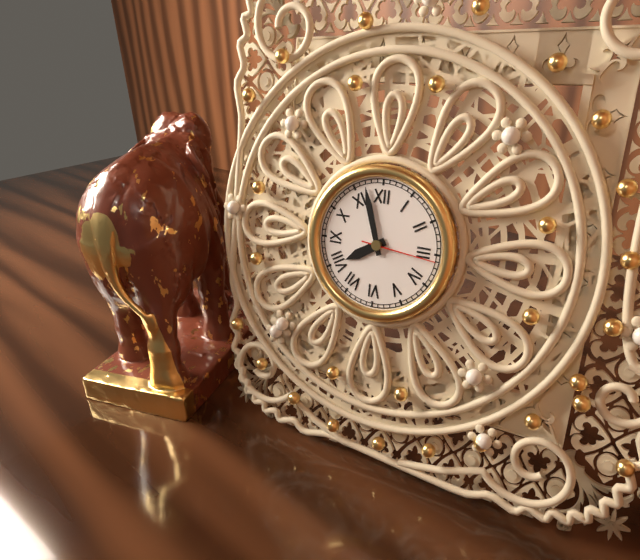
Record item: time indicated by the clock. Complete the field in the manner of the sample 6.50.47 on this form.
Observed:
7.57.16
